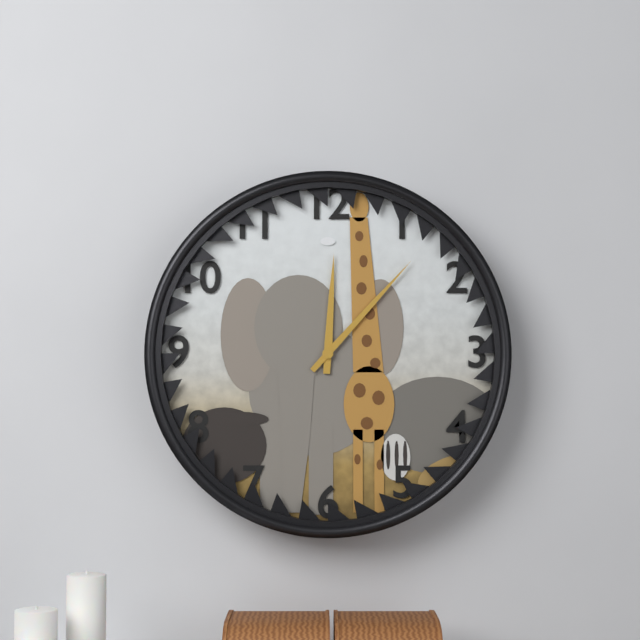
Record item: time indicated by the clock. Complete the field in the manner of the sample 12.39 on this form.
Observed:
12.07
